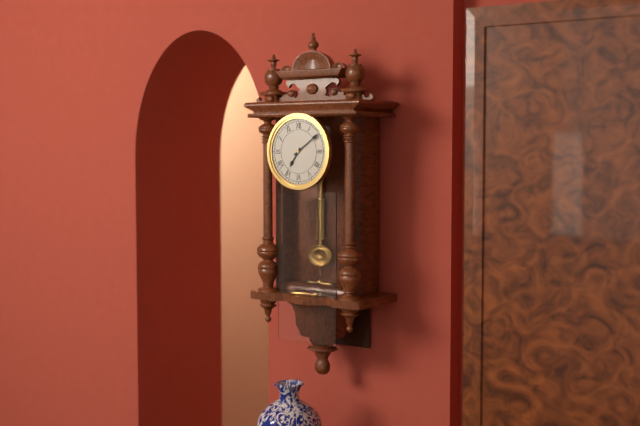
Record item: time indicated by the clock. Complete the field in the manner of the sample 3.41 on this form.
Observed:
7.09
